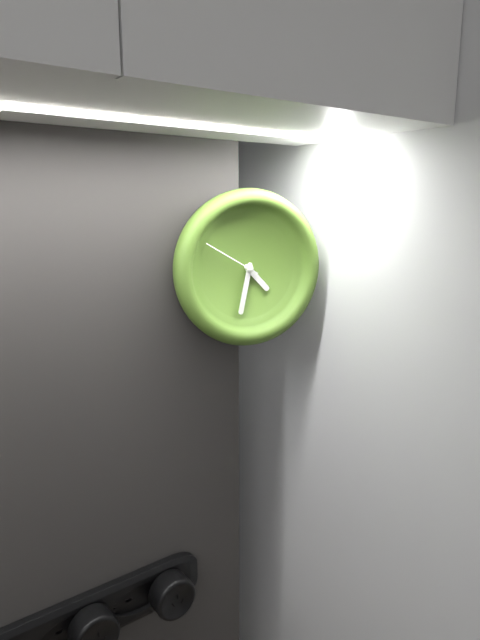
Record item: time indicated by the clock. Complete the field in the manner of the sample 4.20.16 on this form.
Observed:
4.32.50
